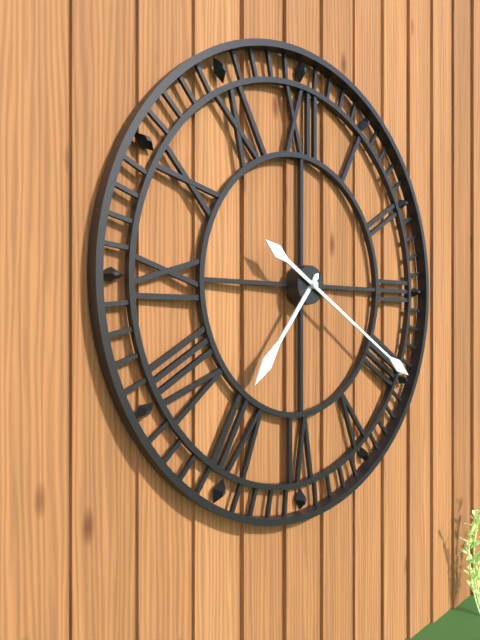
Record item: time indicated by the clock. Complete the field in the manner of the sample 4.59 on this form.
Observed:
7.20
